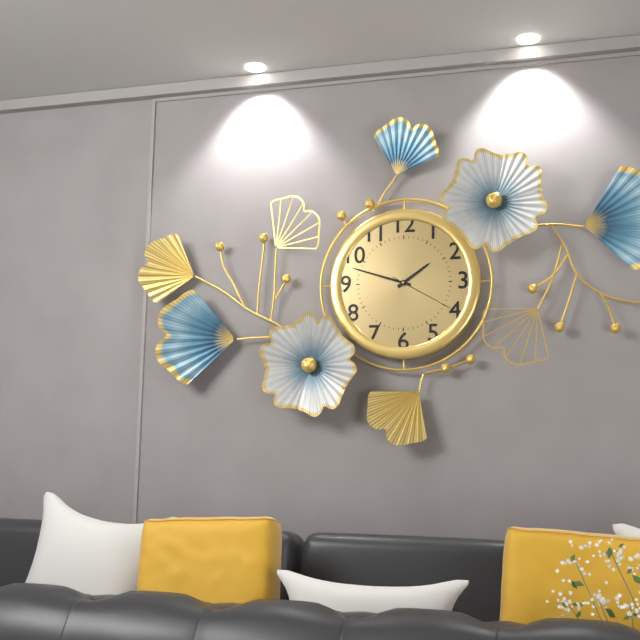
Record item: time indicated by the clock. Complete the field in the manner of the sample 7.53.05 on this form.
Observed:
1.48.20
